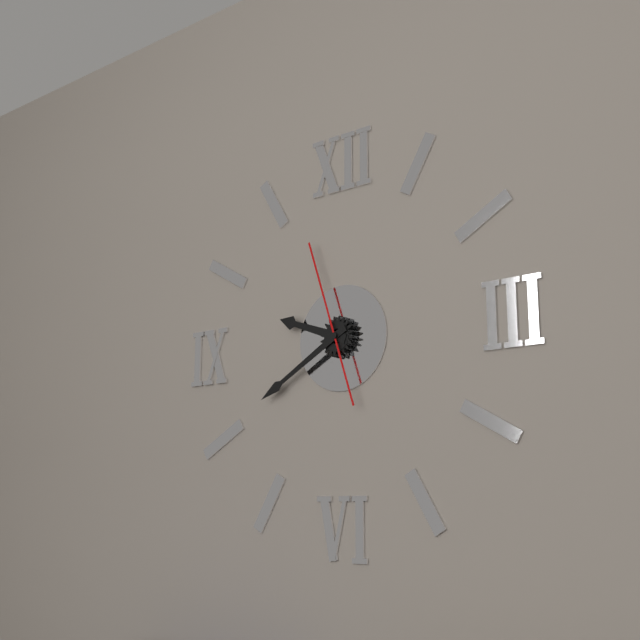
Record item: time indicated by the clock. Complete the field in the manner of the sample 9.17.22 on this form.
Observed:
9.40.57
